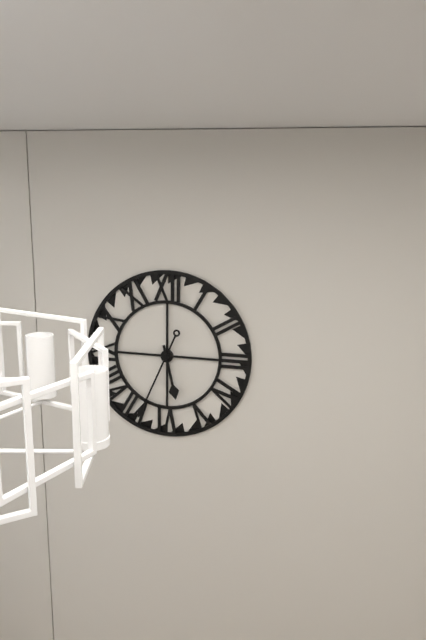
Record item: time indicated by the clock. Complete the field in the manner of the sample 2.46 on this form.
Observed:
5.34
